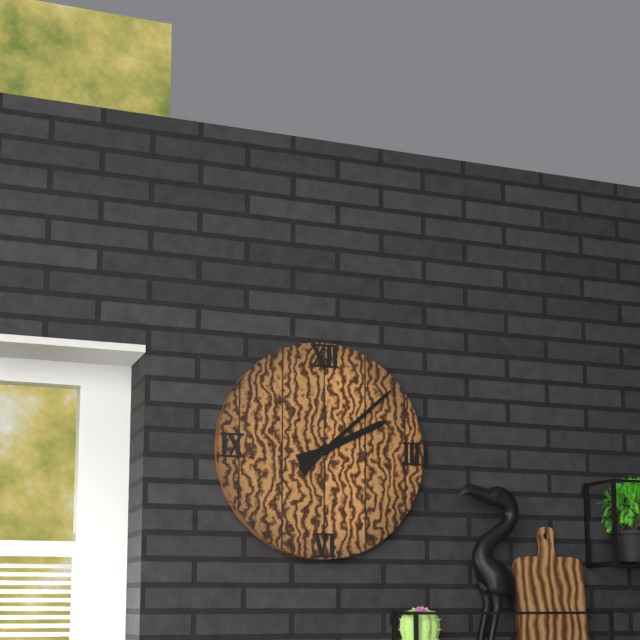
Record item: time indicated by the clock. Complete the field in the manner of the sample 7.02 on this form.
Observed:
2.08
